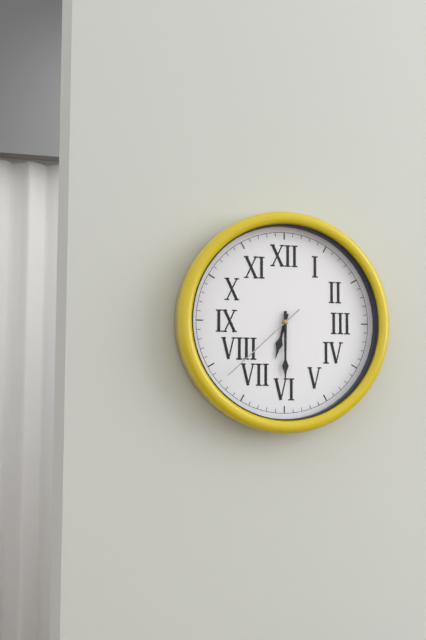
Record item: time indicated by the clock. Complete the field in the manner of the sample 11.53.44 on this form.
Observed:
6.30.38
